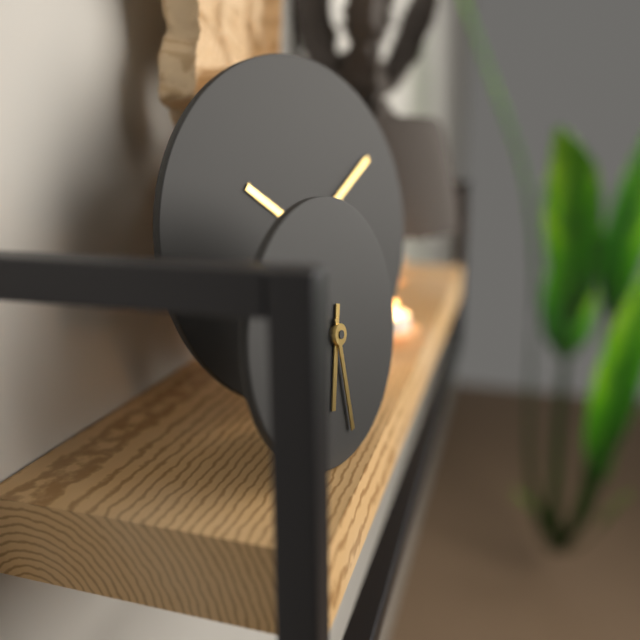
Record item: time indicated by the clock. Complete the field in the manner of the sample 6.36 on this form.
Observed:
6.29
